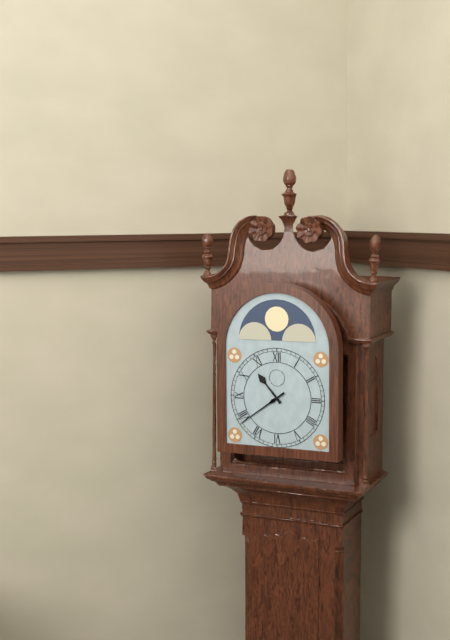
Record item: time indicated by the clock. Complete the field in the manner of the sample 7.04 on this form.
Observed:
10.39
